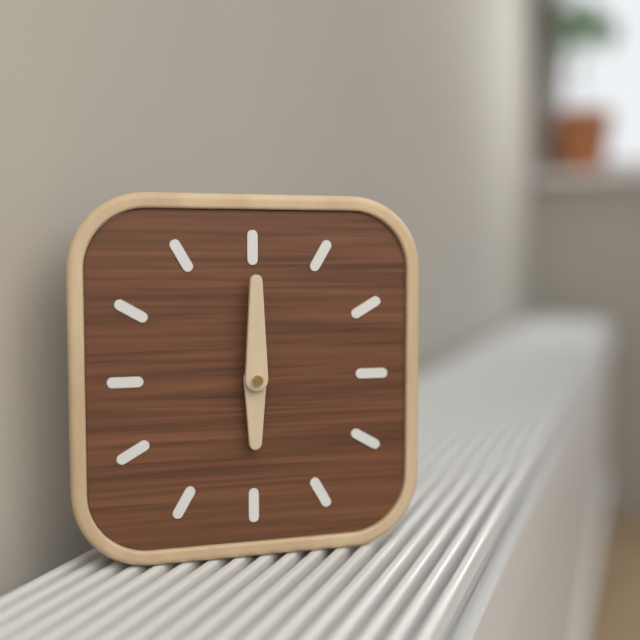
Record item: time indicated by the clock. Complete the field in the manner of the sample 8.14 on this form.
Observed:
6.00
